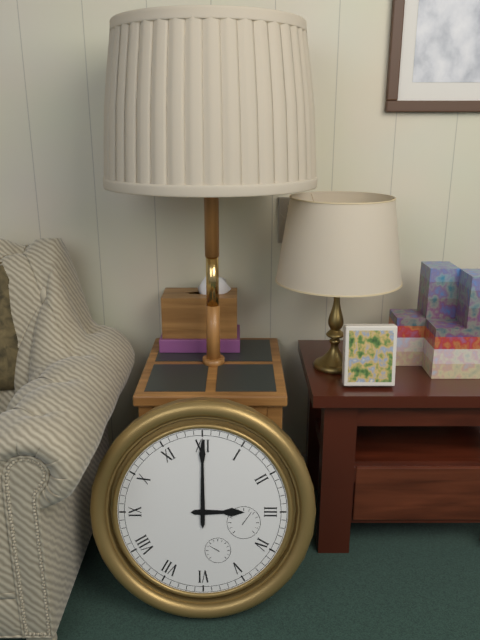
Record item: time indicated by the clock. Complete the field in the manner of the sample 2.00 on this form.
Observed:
3.00
